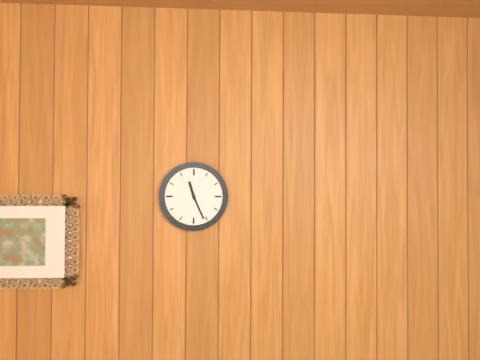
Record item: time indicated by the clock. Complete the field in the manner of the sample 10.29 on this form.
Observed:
11.26
